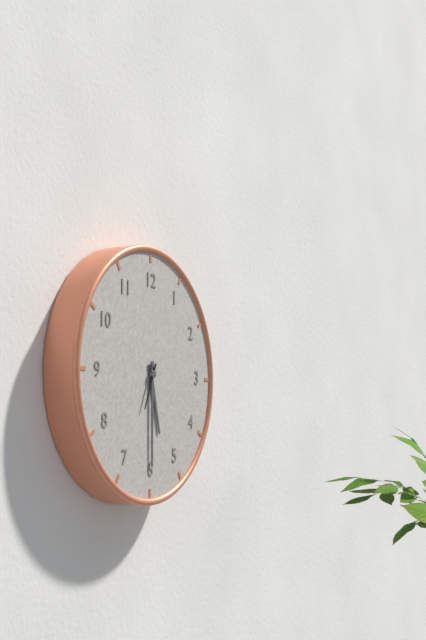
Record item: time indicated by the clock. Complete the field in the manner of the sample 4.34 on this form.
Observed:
5.30
